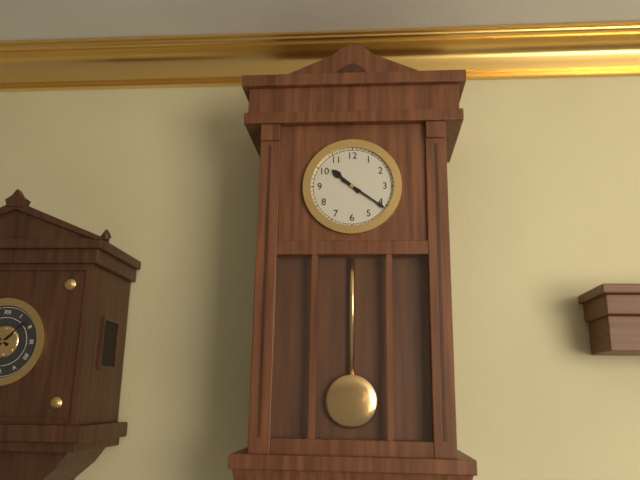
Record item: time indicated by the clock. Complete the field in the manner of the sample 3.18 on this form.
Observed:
10.21
